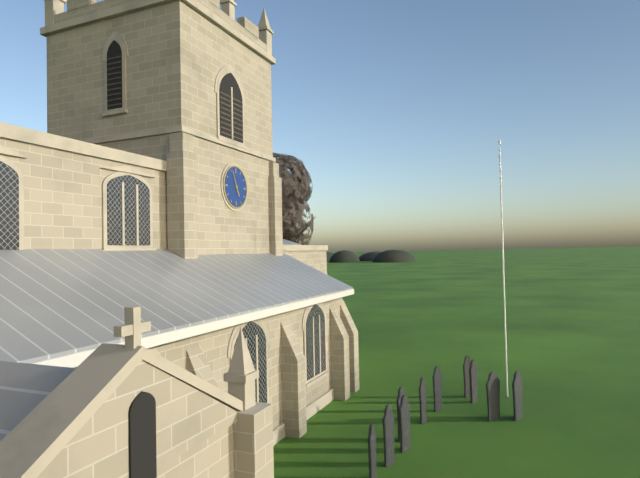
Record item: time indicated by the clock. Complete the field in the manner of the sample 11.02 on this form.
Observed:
4.56
